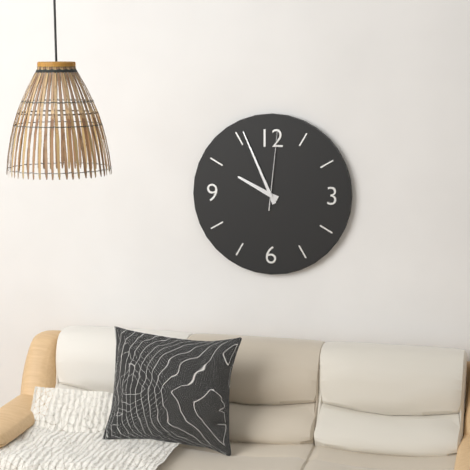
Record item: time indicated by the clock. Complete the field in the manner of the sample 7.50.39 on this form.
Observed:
9.56.01
